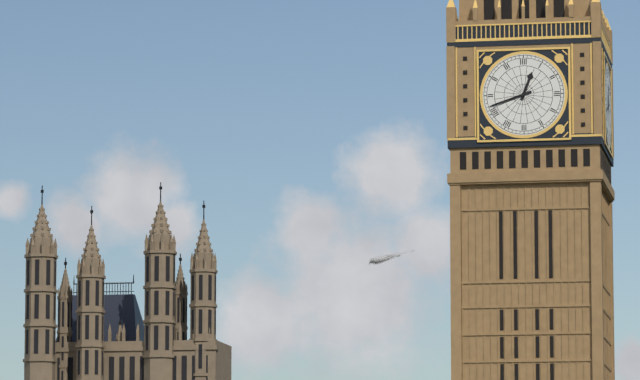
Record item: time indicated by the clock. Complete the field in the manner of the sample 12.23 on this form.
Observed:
12.42
